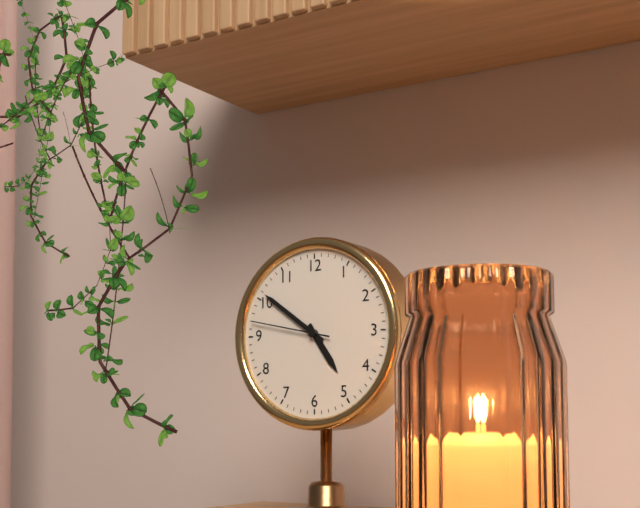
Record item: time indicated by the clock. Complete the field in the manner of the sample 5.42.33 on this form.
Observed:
4.51.47
